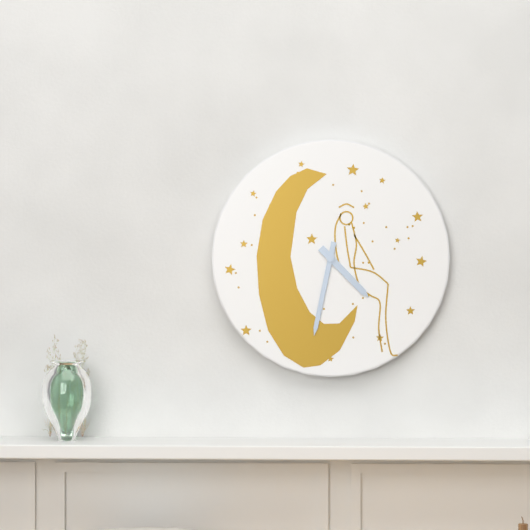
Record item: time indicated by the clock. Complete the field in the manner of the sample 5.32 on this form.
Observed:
4.32
